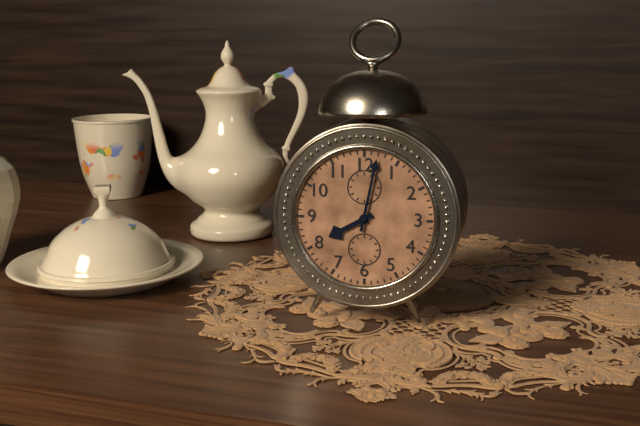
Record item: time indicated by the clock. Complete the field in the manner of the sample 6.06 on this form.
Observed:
8.02
